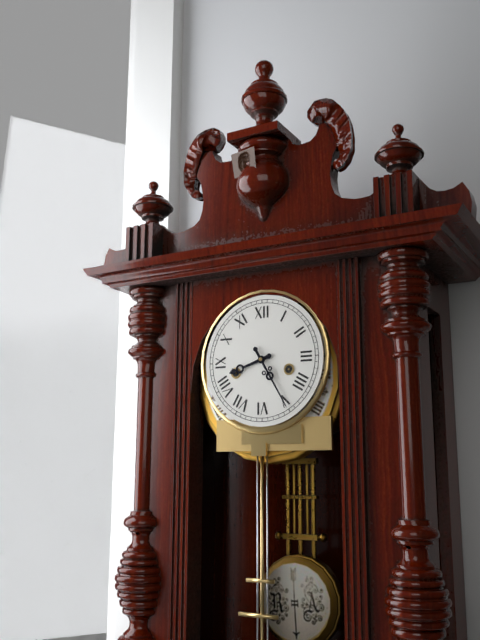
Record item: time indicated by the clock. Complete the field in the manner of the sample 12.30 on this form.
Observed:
8.25
